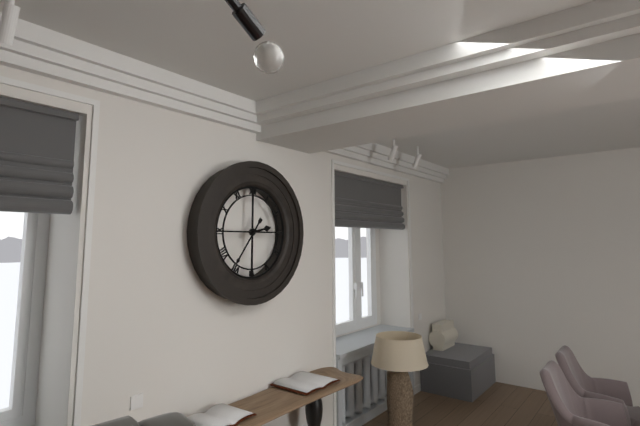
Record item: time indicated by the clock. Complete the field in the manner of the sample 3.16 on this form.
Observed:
2.36
